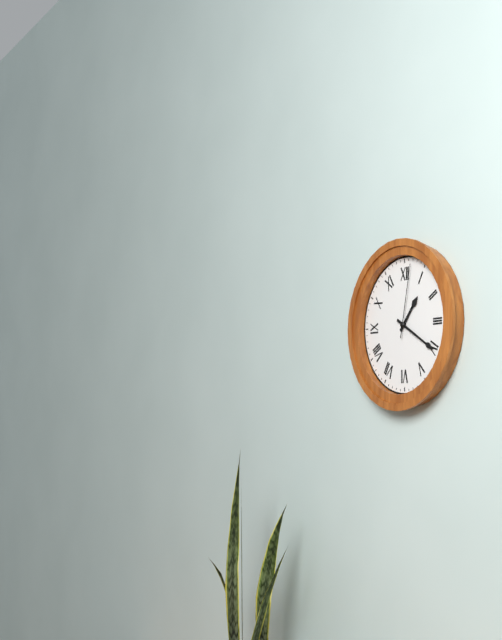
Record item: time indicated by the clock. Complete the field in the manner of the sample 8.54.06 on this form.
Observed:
1.20.02
